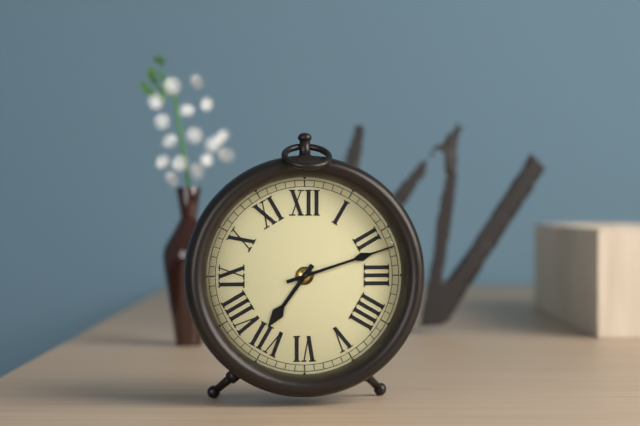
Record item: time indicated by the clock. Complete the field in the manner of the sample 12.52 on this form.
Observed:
7.12
